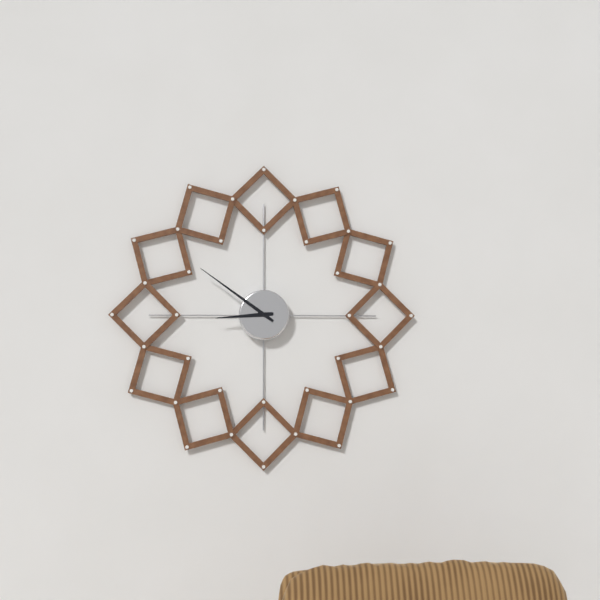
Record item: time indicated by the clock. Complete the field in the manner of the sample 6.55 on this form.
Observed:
8.51
